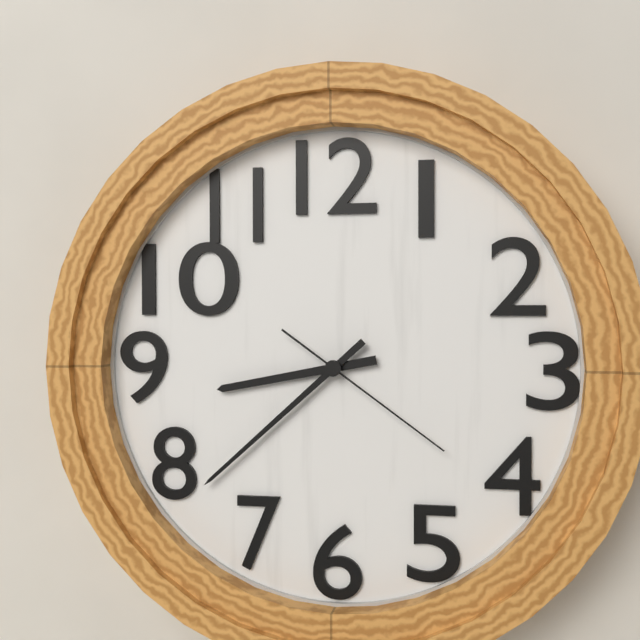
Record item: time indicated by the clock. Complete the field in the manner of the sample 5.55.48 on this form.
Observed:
8.38.21
